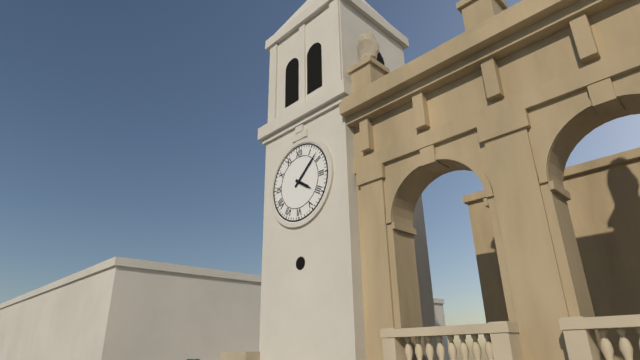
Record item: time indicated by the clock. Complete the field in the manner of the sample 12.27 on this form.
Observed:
4.08
